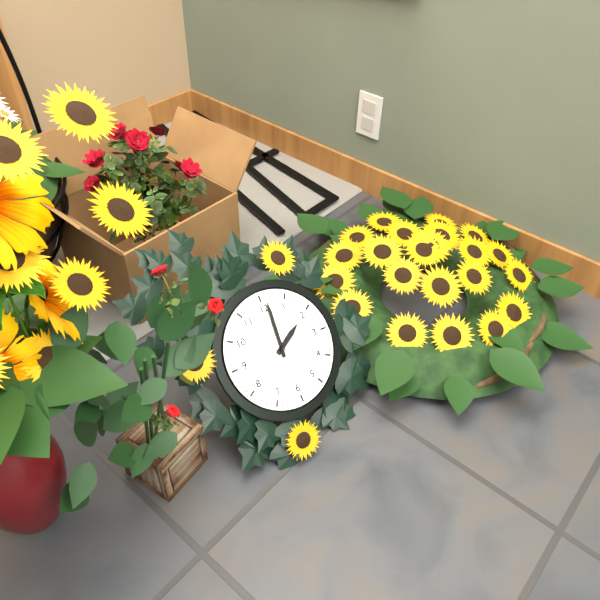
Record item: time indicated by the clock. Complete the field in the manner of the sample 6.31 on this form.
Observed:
2.01
